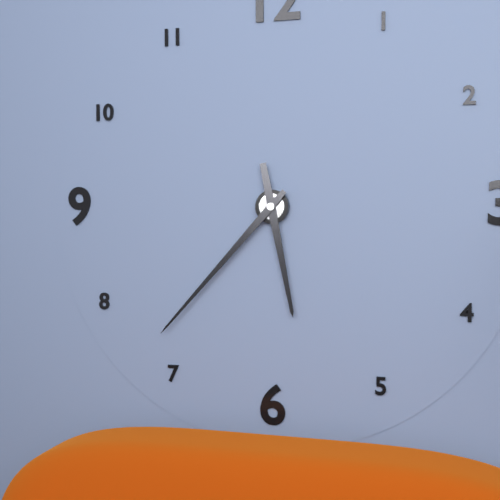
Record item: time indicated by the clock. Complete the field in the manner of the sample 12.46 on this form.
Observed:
5.37
